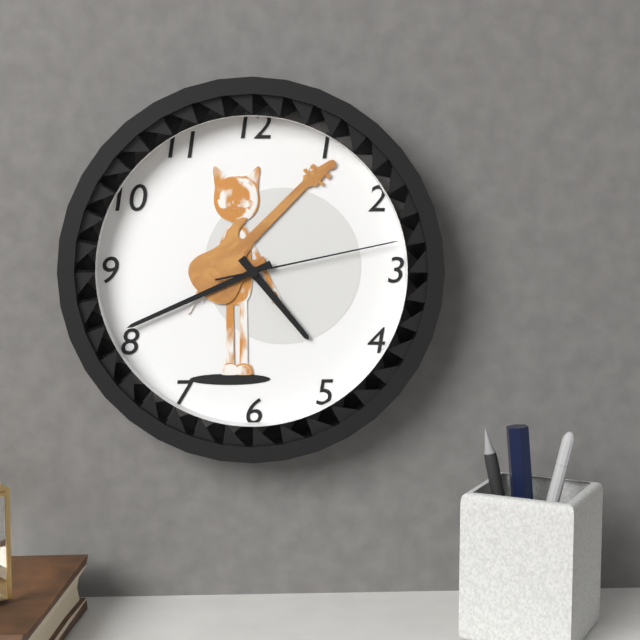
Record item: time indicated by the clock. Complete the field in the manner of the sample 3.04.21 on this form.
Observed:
4.41.13
